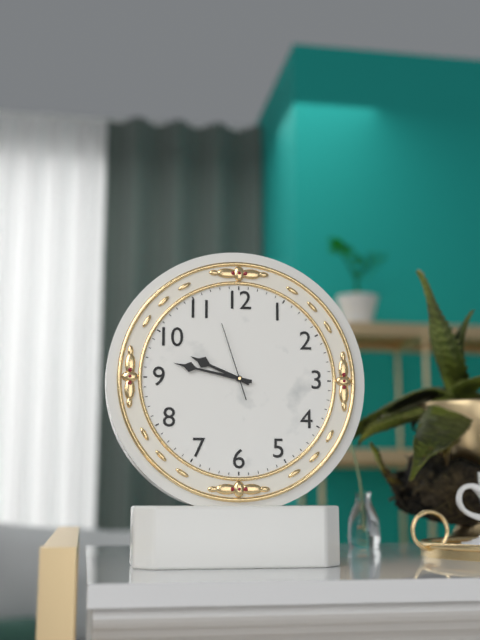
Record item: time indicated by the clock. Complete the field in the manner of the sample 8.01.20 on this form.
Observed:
9.47.57
